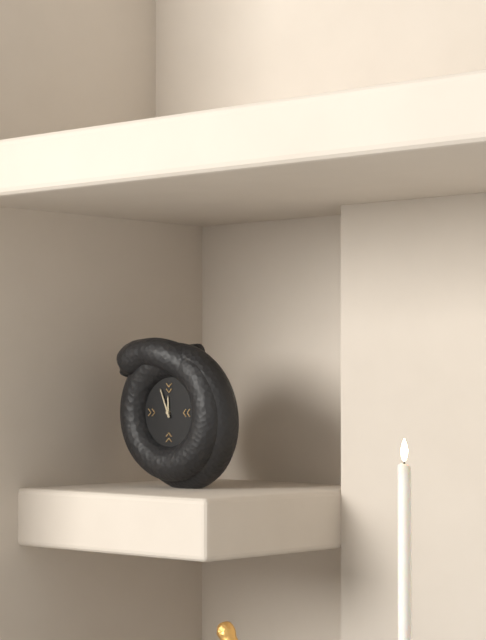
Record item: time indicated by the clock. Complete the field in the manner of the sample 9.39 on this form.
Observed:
11.56
